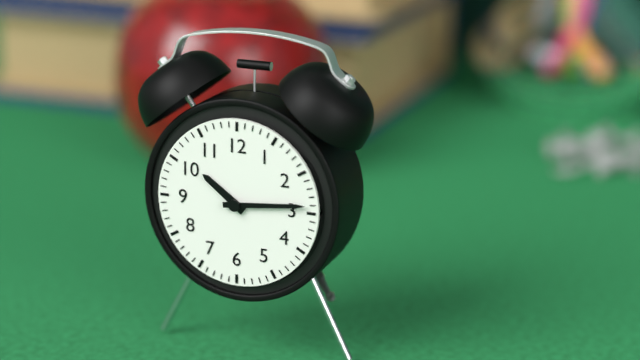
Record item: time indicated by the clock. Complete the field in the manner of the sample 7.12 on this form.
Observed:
10.14
